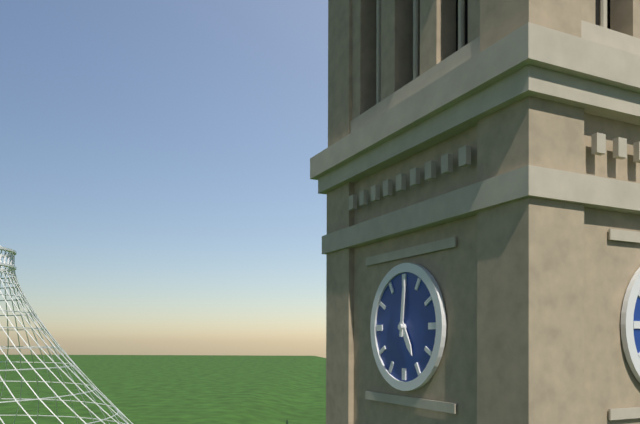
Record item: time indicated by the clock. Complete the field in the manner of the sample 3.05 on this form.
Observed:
5.01
